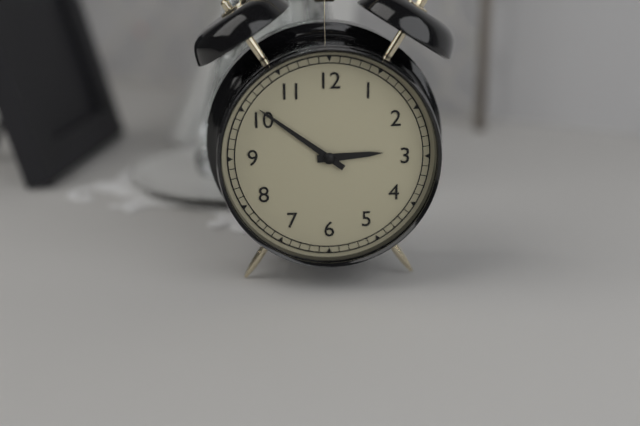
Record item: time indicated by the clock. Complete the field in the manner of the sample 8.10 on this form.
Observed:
2.51
